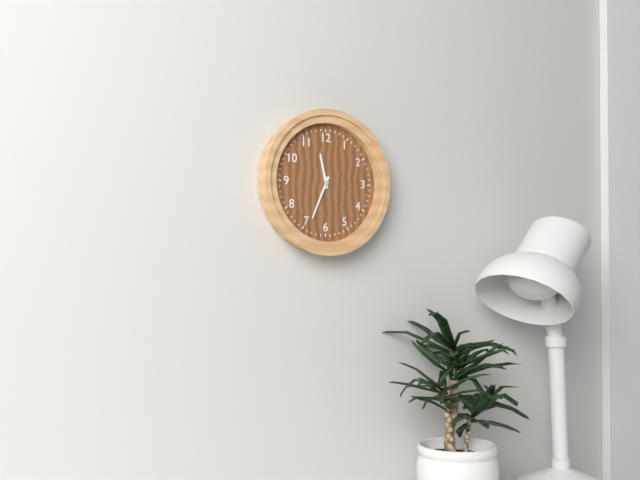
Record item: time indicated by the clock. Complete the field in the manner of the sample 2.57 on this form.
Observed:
11.34
